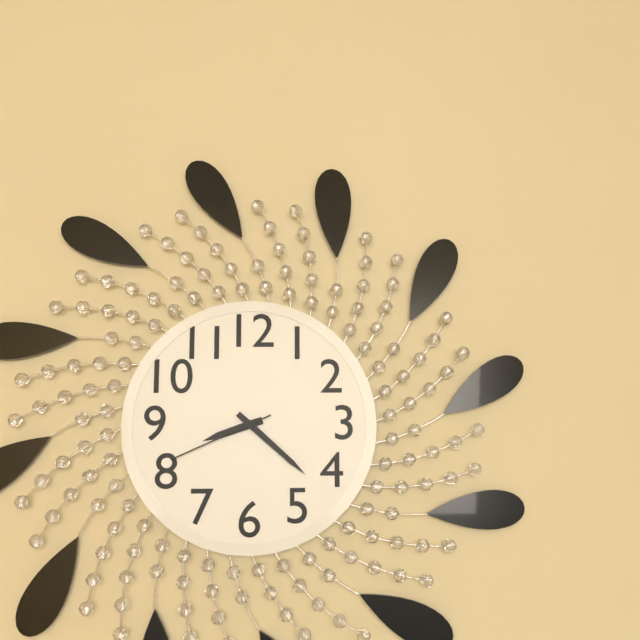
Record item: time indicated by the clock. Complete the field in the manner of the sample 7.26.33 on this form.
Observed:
8.22.41
